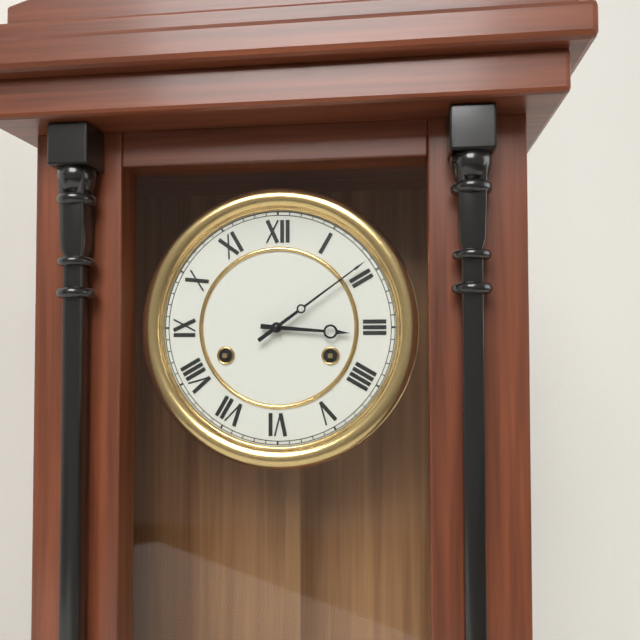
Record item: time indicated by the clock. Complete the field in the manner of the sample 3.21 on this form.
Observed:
3.09
